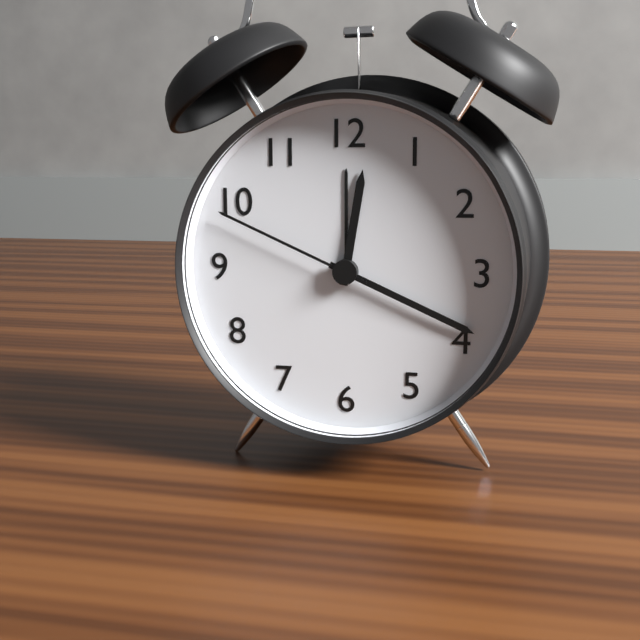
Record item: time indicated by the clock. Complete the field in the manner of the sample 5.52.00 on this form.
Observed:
12.19.49
